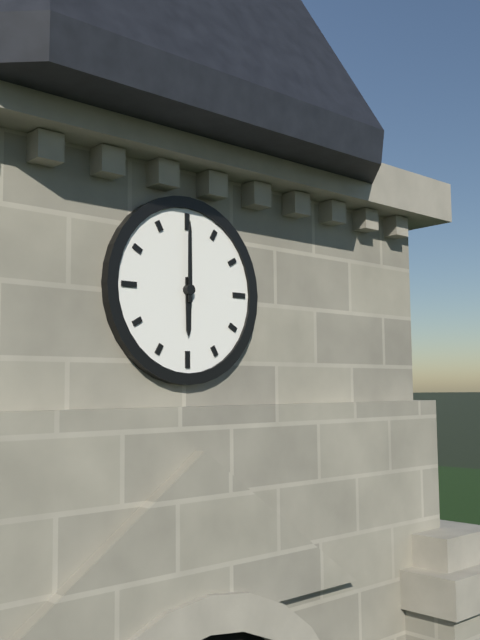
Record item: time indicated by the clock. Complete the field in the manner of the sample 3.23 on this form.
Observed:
6.00
